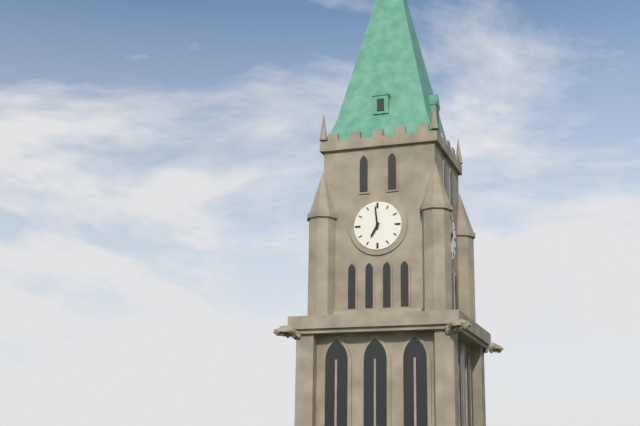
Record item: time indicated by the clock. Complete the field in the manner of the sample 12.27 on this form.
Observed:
6.59
